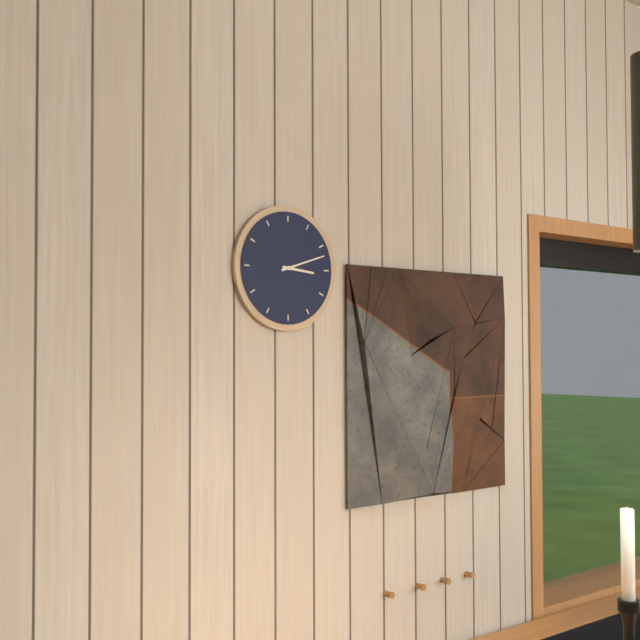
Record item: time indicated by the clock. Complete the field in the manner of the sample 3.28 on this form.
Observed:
3.12
